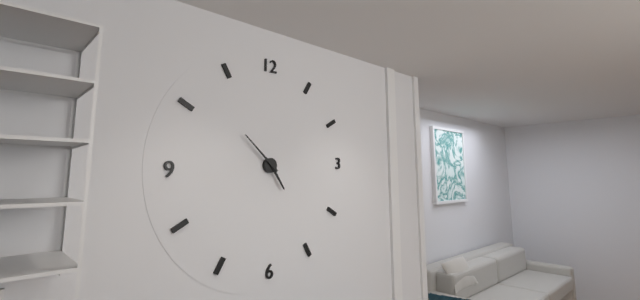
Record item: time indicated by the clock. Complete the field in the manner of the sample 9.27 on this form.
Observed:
4.52
